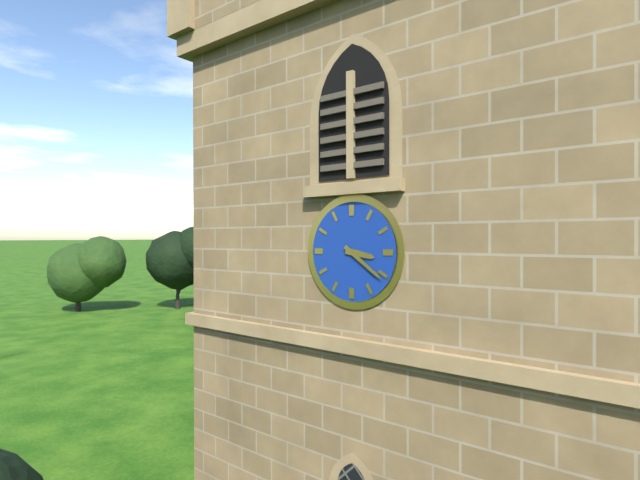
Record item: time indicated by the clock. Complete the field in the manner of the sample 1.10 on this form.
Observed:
3.21
